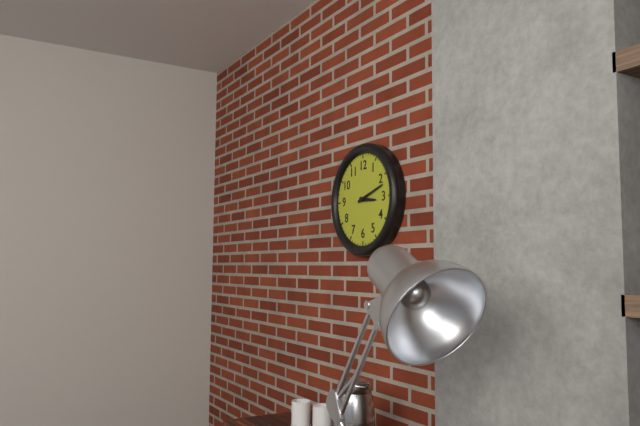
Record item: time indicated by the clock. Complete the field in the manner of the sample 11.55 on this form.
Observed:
3.12
